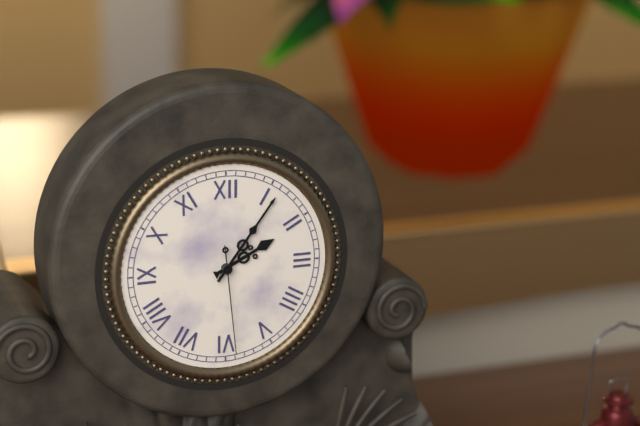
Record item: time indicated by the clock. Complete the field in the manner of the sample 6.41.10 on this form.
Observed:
2.06.29
